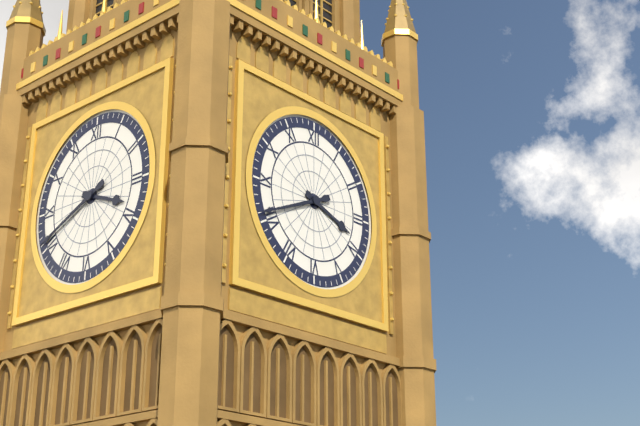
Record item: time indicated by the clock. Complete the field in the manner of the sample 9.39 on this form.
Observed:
3.41
